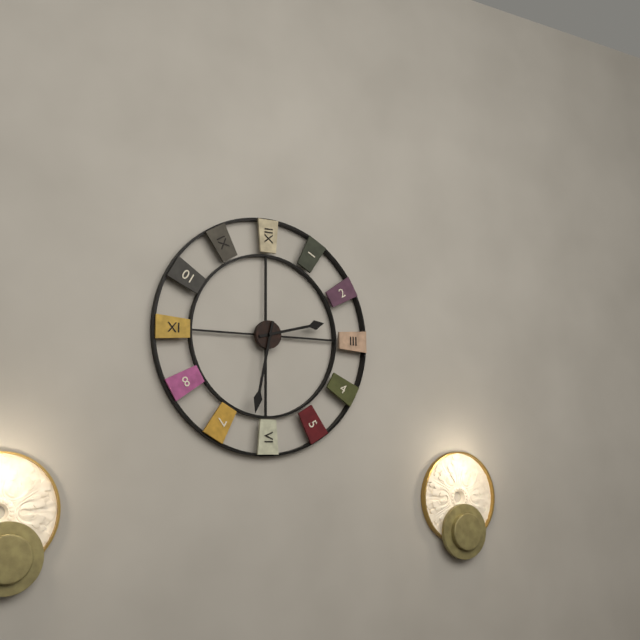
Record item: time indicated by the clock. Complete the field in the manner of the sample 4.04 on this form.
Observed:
2.32
